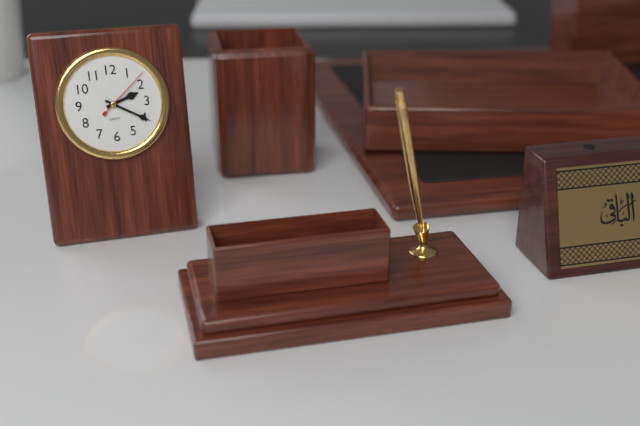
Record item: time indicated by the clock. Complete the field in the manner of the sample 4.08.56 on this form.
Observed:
2.20.08
